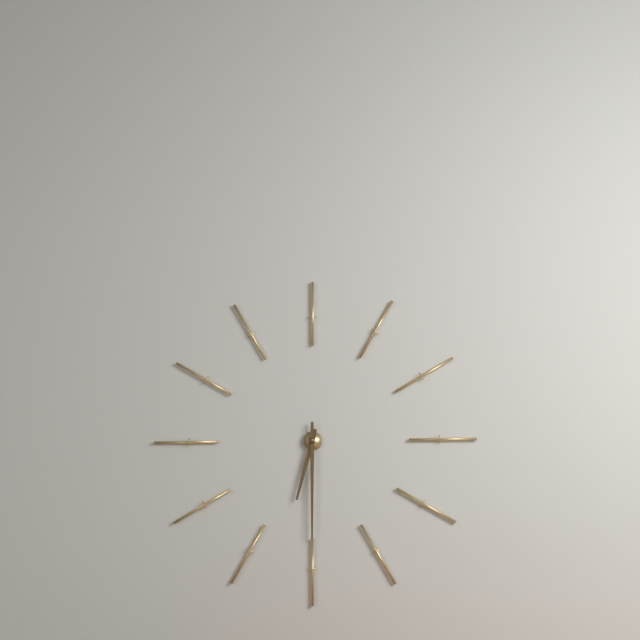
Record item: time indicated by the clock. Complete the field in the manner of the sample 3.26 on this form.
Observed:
6.30
